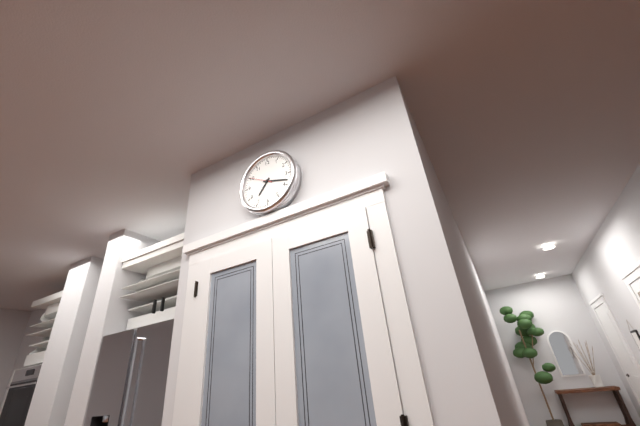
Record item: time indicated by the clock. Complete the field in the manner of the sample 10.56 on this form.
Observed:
7.18
